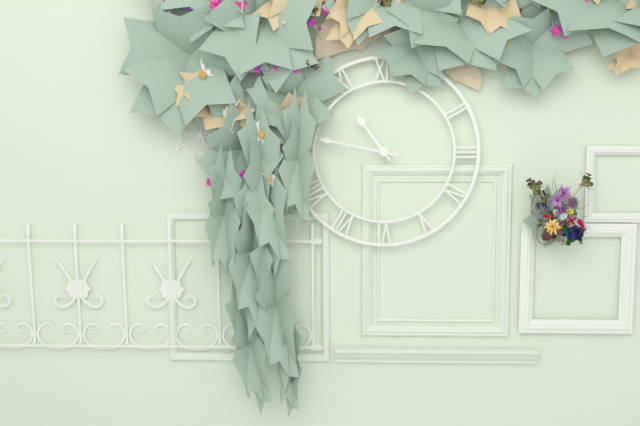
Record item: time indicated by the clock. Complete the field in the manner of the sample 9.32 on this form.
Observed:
10.47
